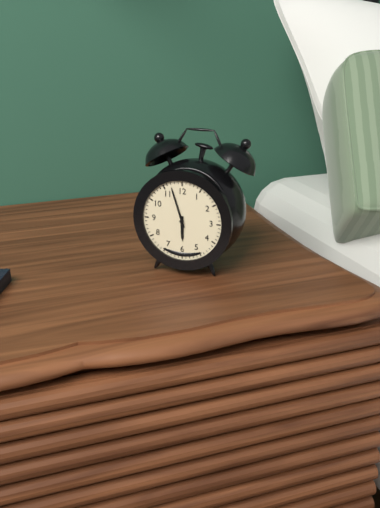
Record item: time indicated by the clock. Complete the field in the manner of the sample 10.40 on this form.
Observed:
5.57
